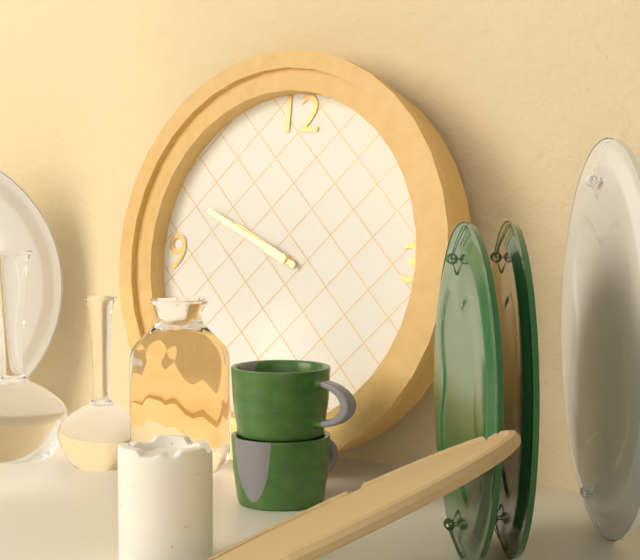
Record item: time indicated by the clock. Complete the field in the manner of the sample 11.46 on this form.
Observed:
9.49
